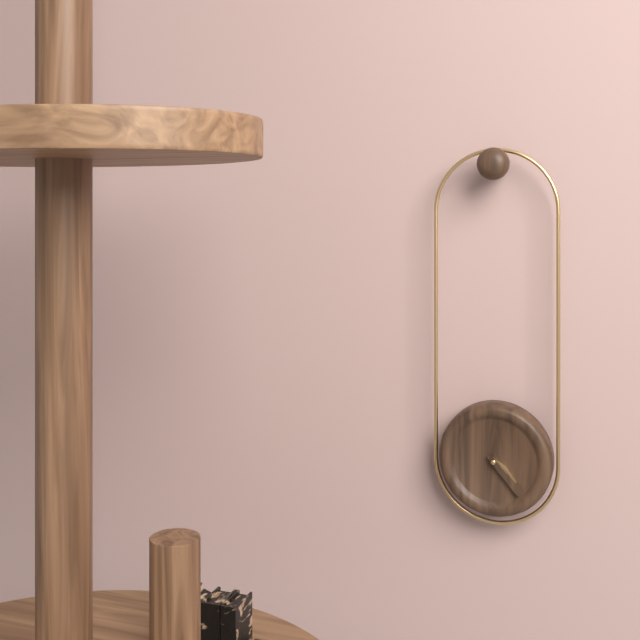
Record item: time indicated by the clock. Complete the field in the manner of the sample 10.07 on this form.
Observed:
4.23
